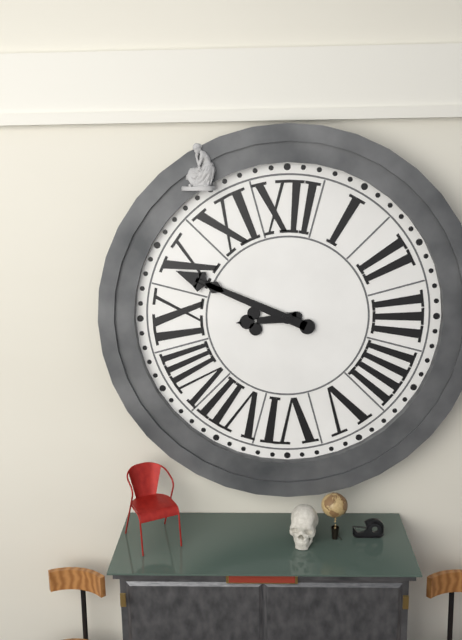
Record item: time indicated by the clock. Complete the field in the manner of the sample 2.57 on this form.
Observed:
8.49
